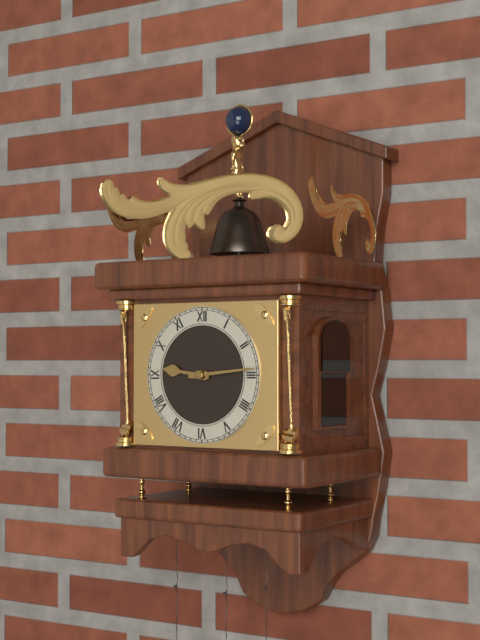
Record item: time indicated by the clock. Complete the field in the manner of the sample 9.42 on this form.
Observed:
9.14
